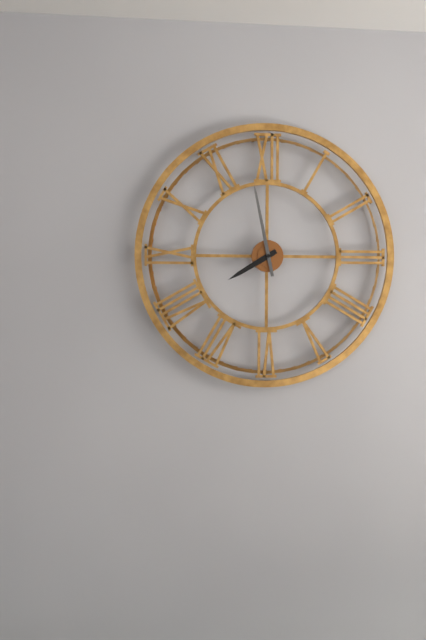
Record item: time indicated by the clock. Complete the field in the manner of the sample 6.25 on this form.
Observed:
7.58
